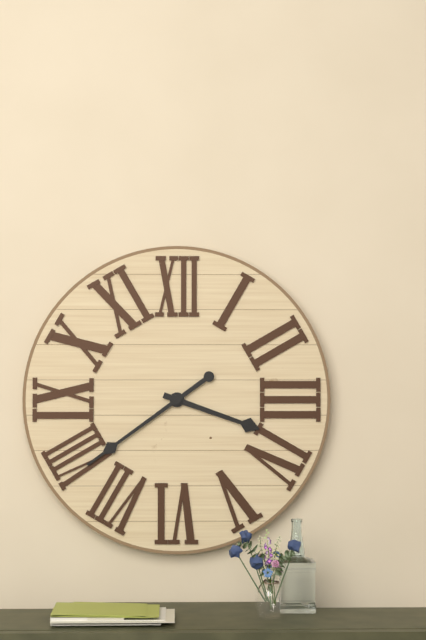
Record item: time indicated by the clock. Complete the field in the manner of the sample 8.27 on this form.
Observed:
3.39
